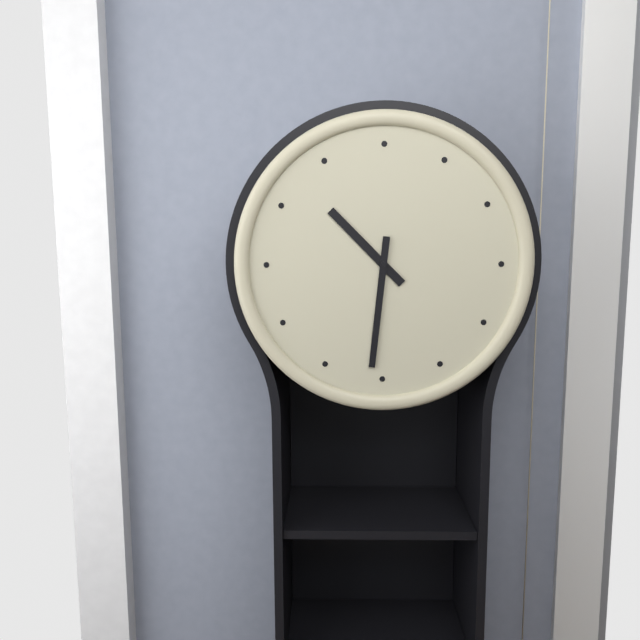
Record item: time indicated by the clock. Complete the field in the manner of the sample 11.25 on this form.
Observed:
10.31
